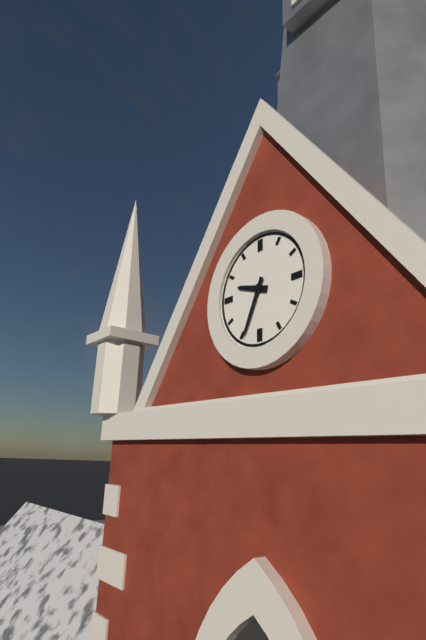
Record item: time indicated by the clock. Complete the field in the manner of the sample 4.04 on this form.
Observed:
9.34
